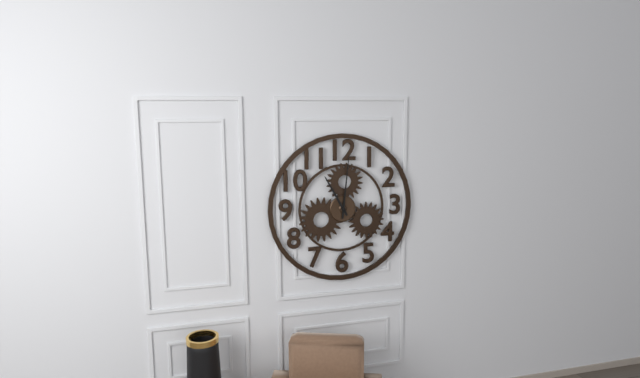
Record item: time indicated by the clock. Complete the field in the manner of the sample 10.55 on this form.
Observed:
11.01
